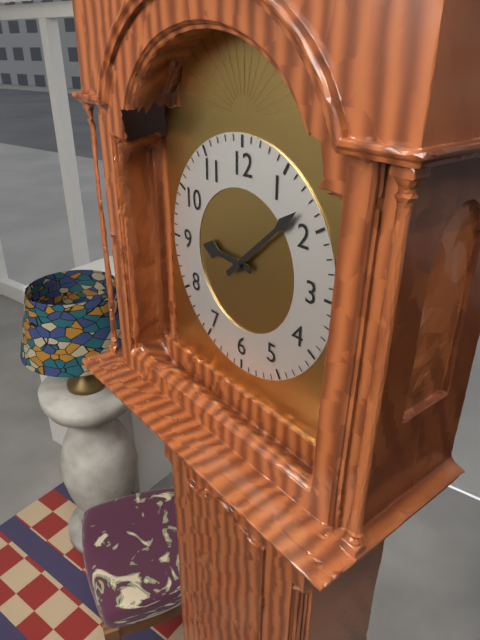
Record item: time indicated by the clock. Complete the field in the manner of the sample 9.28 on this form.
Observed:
9.08
